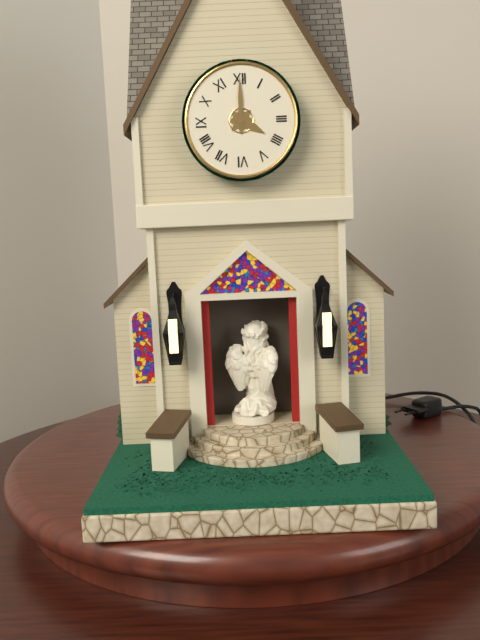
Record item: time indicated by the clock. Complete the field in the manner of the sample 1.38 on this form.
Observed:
4.00
